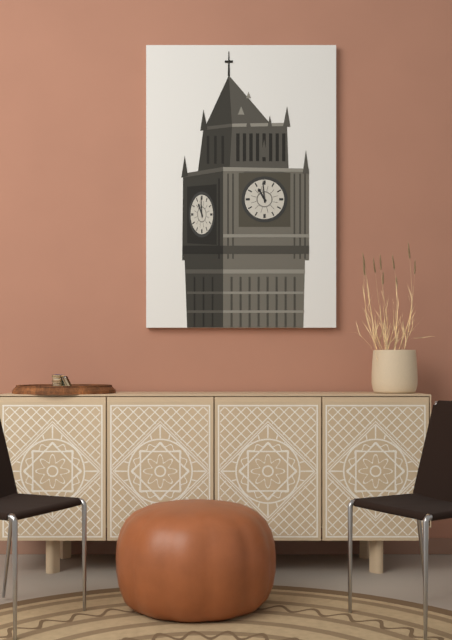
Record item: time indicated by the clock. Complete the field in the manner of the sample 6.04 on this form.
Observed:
10.59
